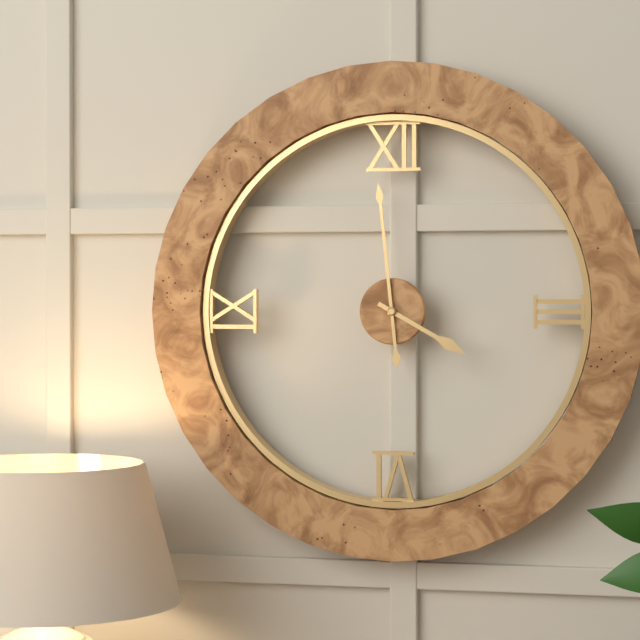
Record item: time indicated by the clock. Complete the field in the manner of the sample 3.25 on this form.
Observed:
3.59
